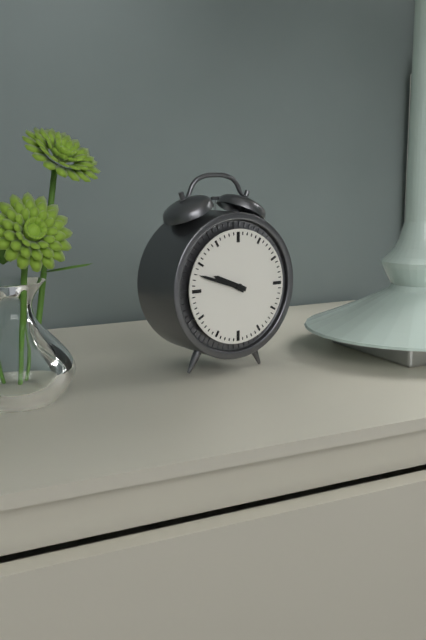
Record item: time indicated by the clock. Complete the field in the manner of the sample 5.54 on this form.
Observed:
9.48
